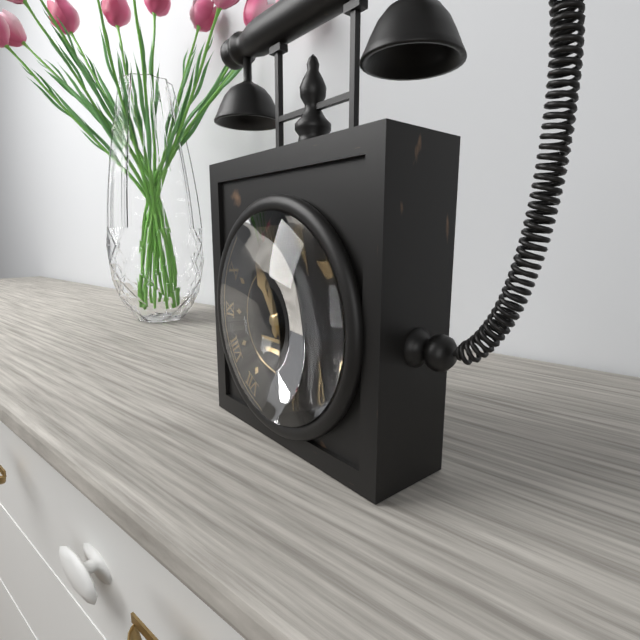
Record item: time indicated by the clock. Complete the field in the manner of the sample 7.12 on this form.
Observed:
10.58
